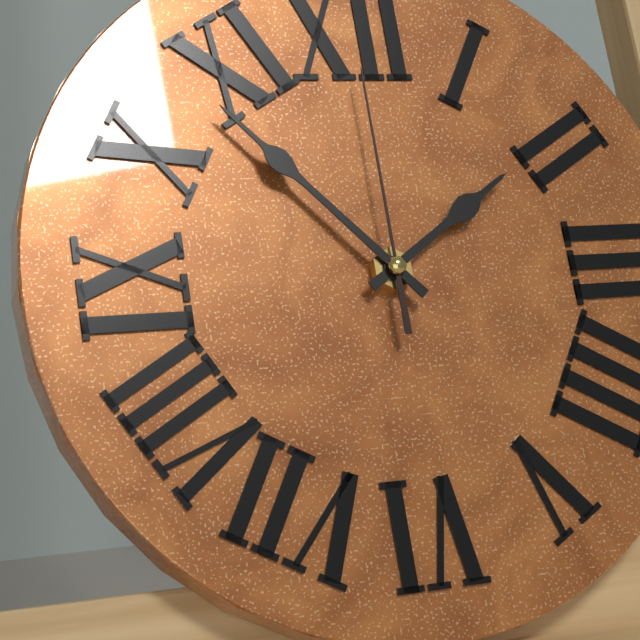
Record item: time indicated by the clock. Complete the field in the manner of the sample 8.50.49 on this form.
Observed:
1.53.00
